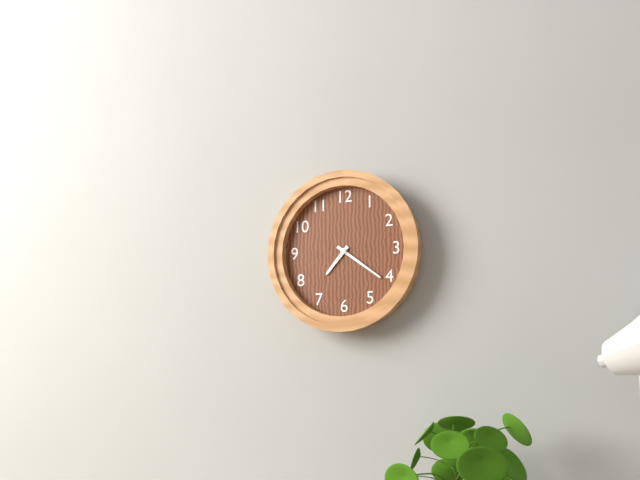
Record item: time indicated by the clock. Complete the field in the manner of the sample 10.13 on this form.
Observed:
7.21
